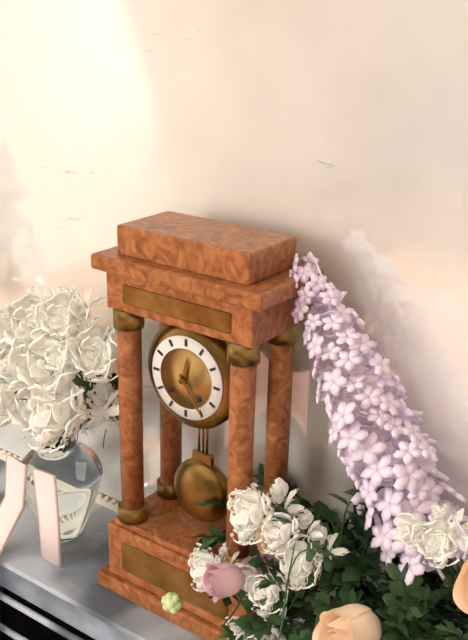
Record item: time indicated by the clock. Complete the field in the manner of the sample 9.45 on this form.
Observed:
12.24
